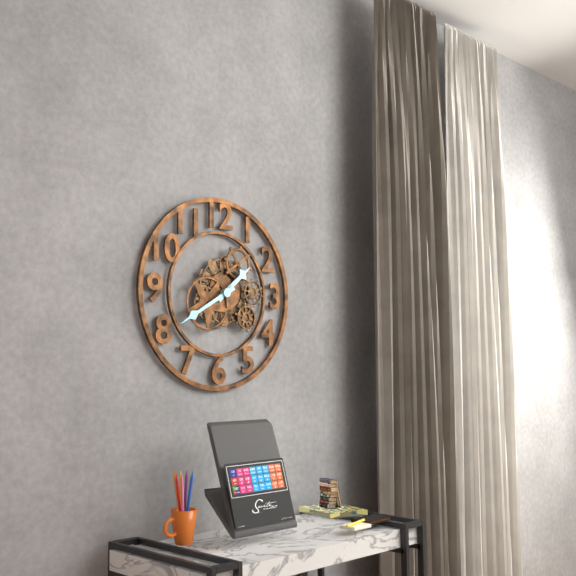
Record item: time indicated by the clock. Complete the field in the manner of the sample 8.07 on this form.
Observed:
1.40
